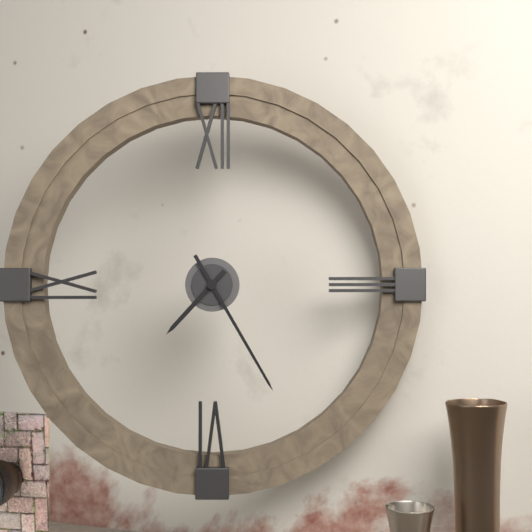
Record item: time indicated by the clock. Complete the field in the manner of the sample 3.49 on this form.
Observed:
7.25
